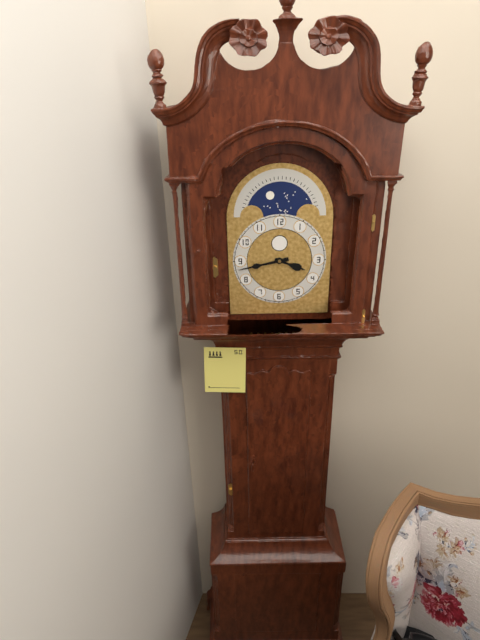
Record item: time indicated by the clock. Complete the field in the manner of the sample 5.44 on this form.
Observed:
3.43
